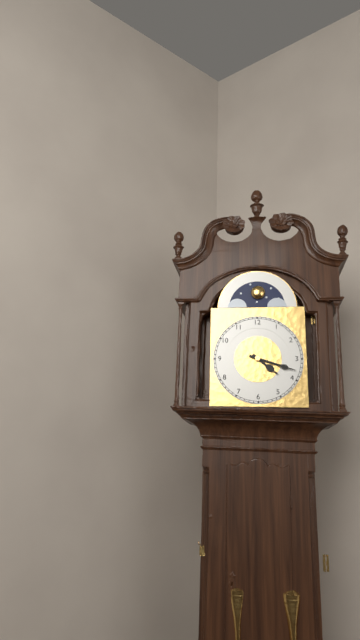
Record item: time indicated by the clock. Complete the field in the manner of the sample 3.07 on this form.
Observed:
4.18
